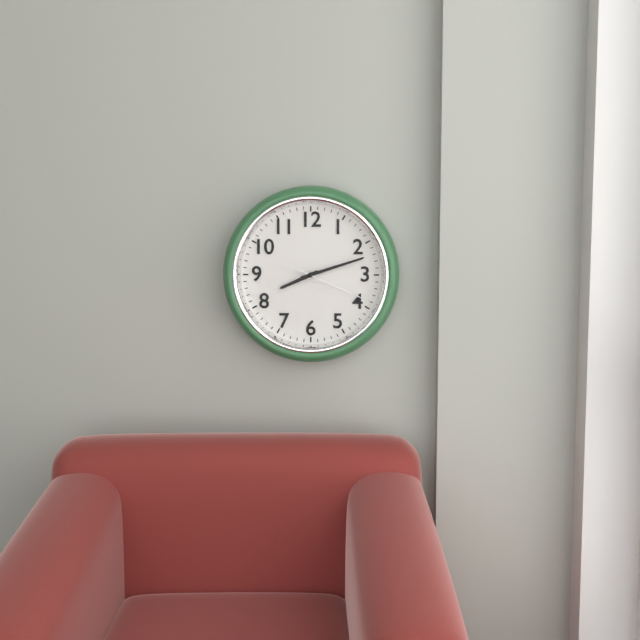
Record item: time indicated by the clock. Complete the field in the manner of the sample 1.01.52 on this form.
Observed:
8.12.19
